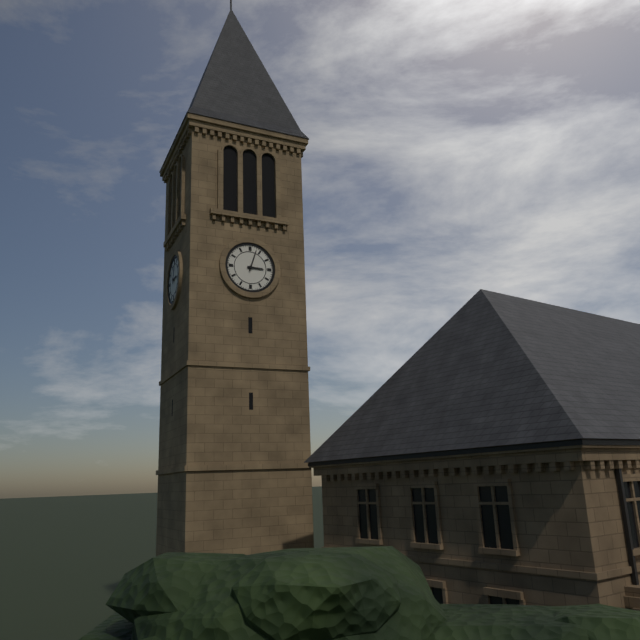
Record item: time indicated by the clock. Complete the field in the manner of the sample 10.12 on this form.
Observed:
3.03
